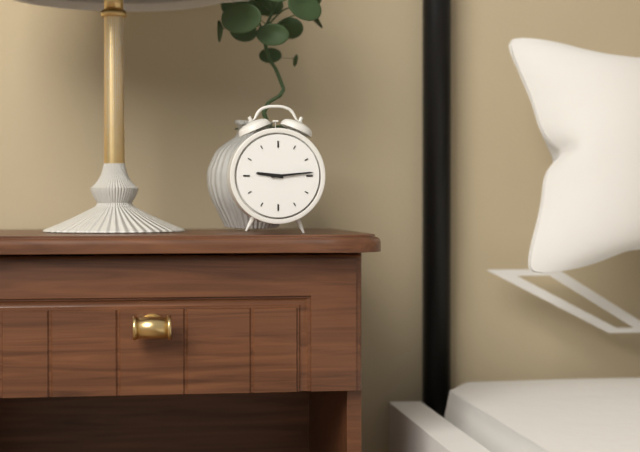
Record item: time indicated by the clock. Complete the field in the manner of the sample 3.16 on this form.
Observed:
9.14
